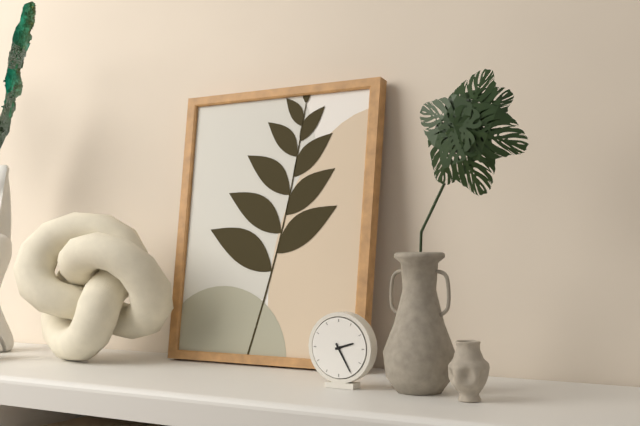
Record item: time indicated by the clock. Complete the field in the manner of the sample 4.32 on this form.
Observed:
2.25
